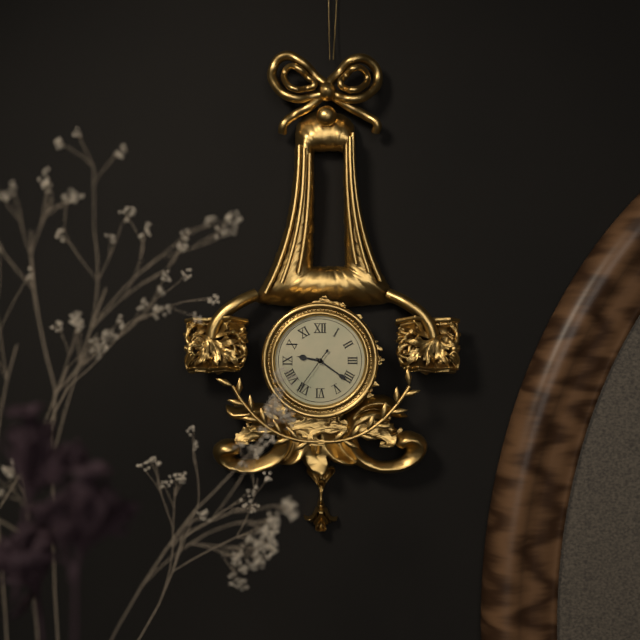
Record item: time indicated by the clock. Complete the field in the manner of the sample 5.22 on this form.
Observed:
9.21
